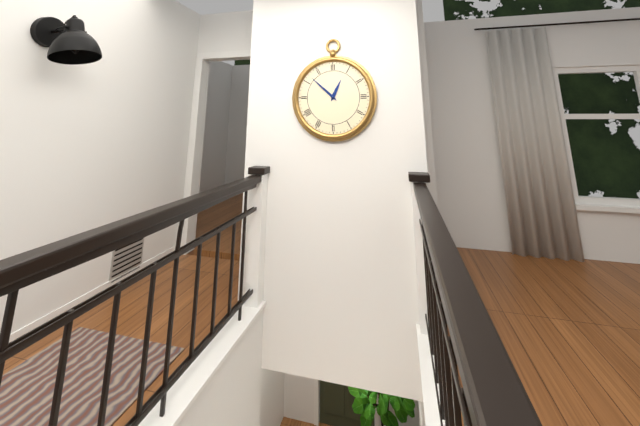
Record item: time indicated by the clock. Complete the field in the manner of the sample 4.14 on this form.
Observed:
12.52
